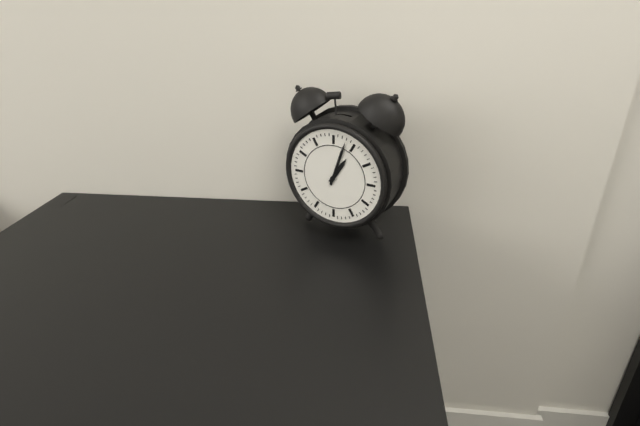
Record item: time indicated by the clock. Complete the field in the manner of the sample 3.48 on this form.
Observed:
1.03
